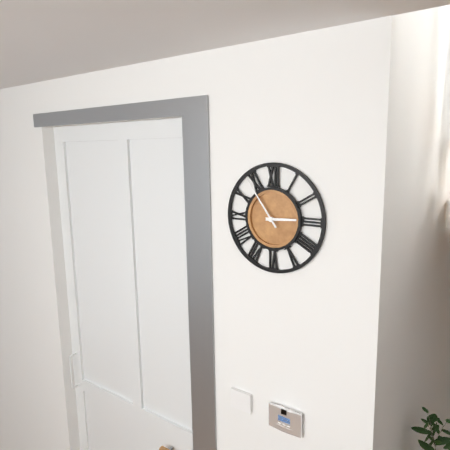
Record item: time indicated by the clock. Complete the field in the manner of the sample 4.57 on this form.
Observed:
2.54
